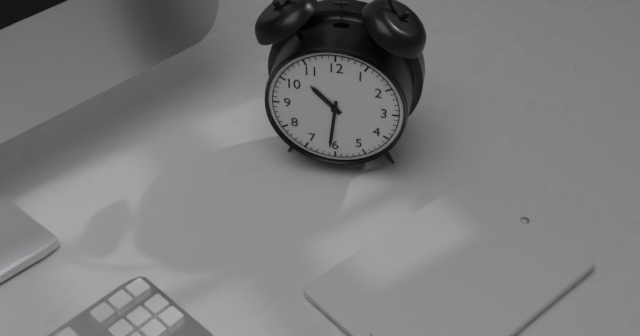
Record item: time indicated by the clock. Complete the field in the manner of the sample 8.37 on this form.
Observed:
10.31
